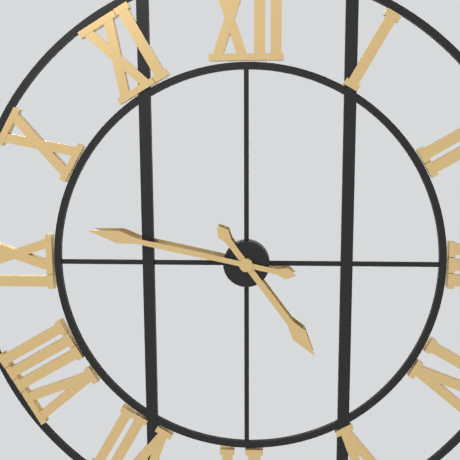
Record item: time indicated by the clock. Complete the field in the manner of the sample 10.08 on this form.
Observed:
4.47
